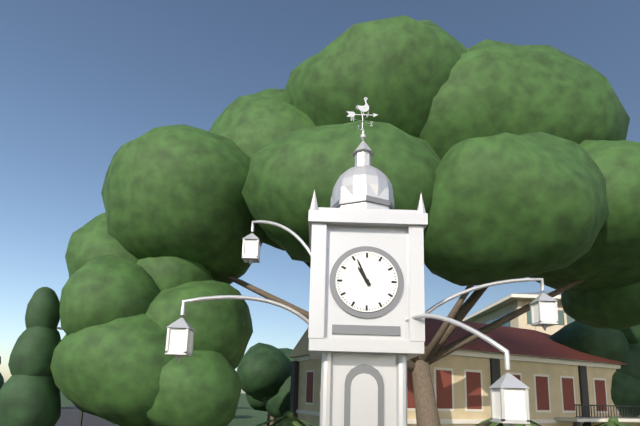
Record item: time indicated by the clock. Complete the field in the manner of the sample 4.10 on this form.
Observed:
10.56
